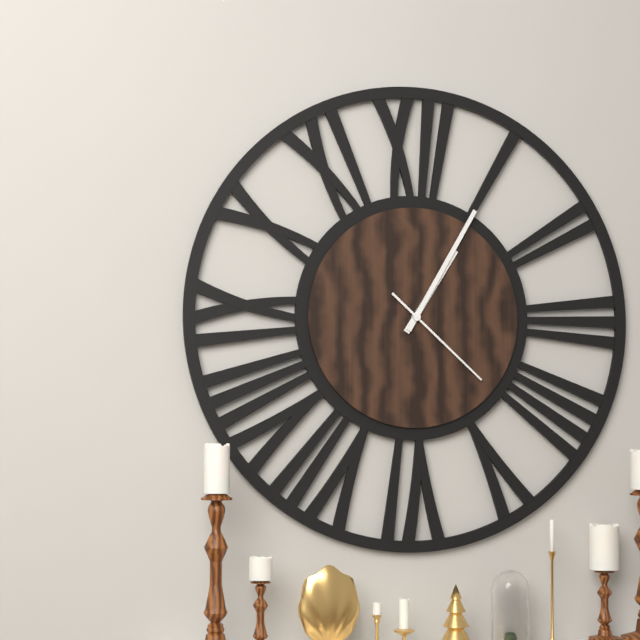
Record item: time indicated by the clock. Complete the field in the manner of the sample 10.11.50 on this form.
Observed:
1.05.22
